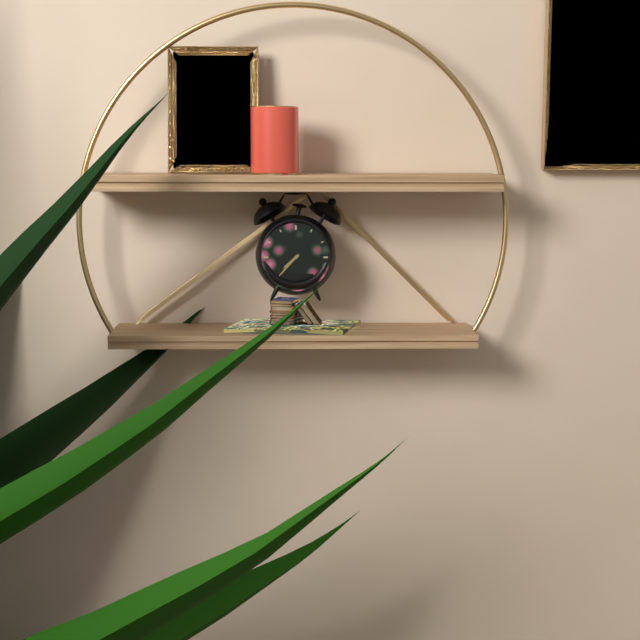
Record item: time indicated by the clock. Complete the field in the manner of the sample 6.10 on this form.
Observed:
7.37
